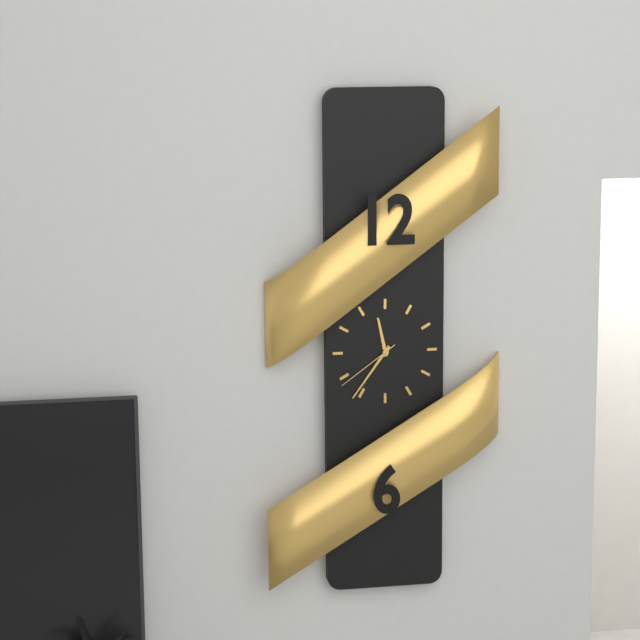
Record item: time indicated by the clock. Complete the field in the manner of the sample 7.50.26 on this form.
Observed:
11.36.39
